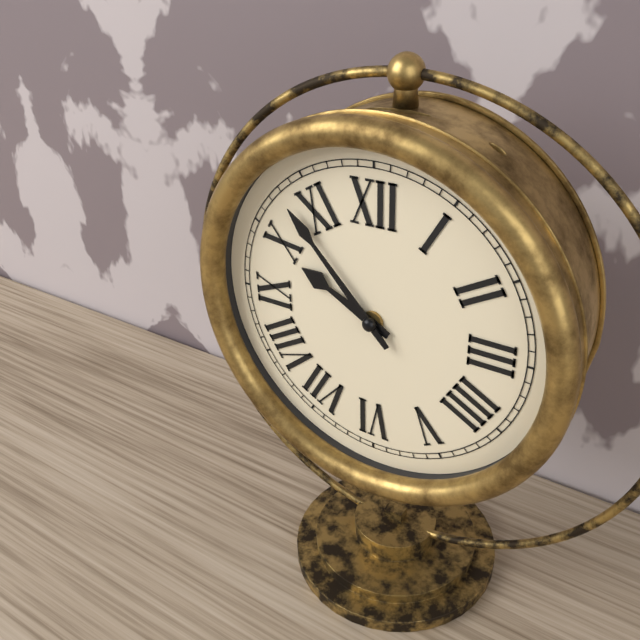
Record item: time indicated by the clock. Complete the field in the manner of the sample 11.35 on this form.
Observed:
9.53
